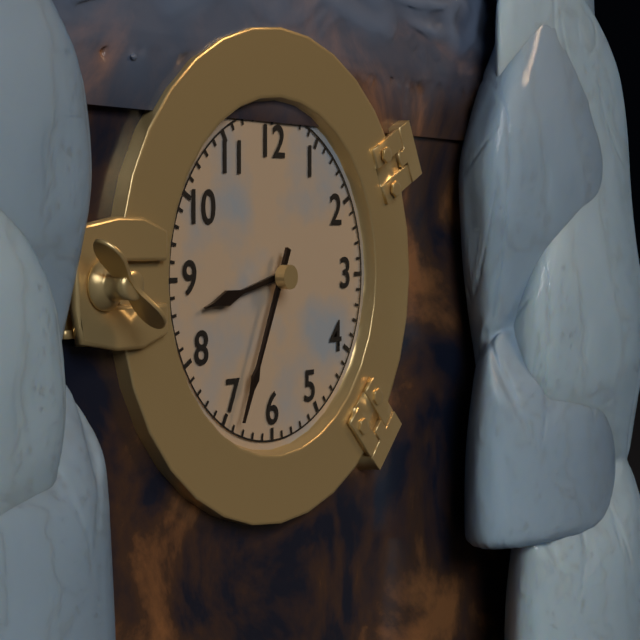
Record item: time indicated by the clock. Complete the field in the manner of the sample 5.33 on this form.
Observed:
8.34
